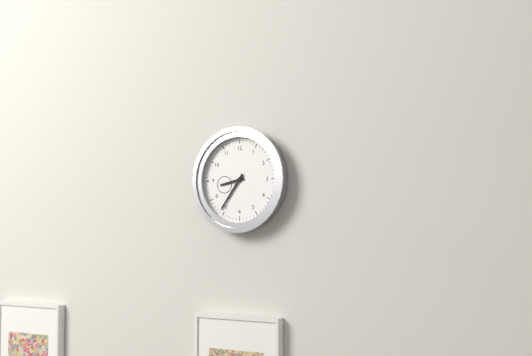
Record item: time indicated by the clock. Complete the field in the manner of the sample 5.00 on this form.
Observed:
8.36
